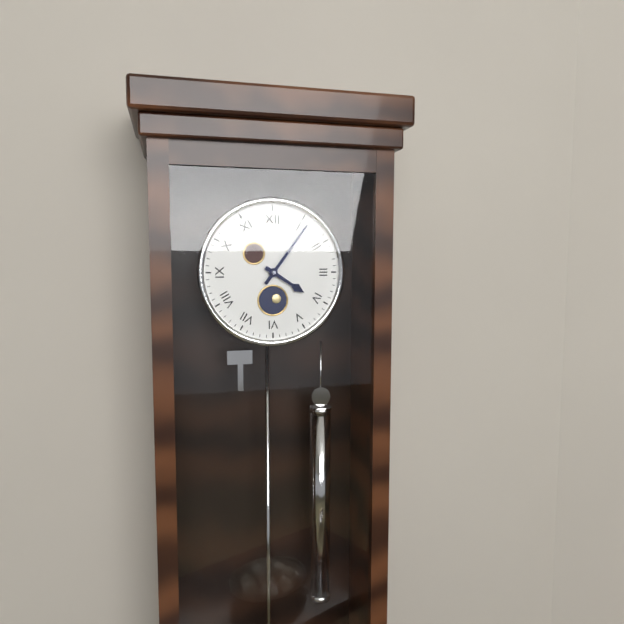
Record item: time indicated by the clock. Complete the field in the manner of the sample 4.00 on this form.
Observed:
4.06
